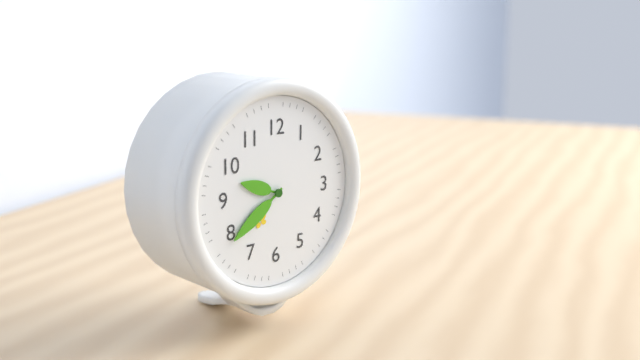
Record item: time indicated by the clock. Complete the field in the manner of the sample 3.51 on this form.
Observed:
9.39
